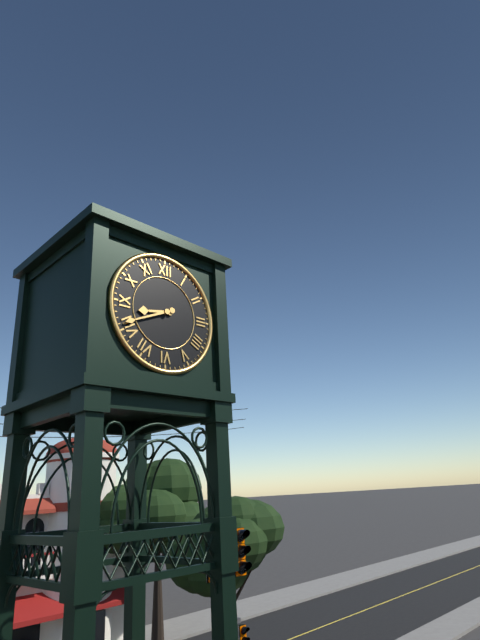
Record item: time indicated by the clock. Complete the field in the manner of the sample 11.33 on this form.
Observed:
8.41
